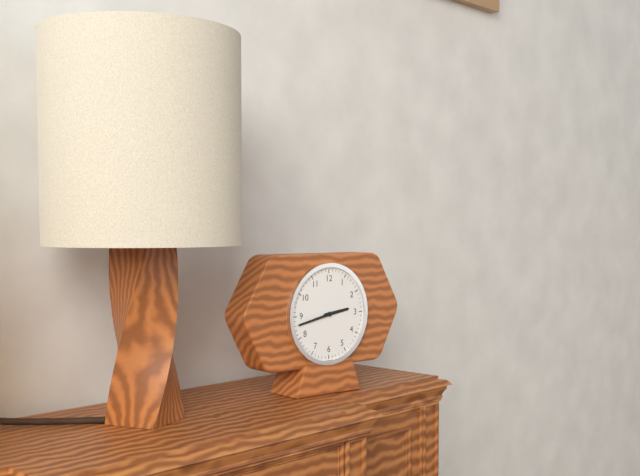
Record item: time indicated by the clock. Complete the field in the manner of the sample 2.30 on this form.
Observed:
2.43
